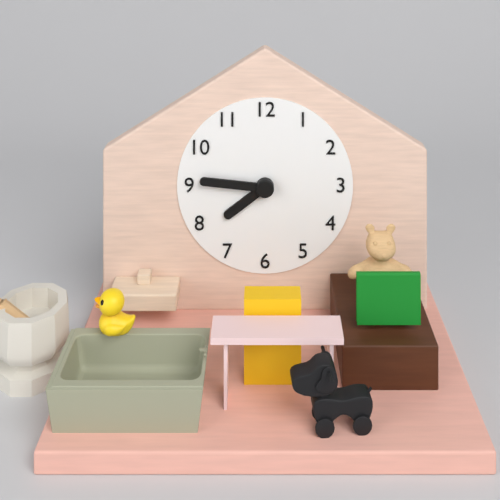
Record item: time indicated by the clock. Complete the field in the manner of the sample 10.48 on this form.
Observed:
7.46
